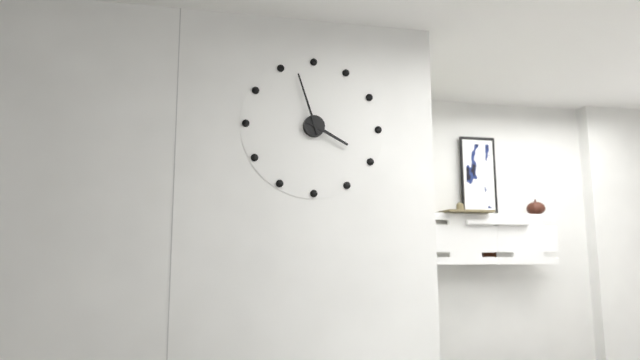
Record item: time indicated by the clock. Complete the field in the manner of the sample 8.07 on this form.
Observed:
3.57
